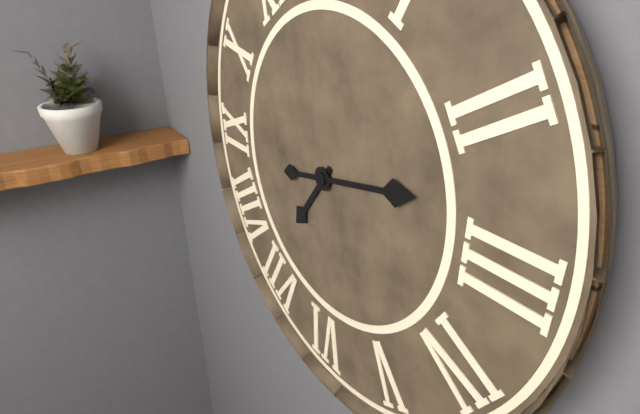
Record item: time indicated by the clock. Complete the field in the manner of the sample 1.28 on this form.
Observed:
7.13
